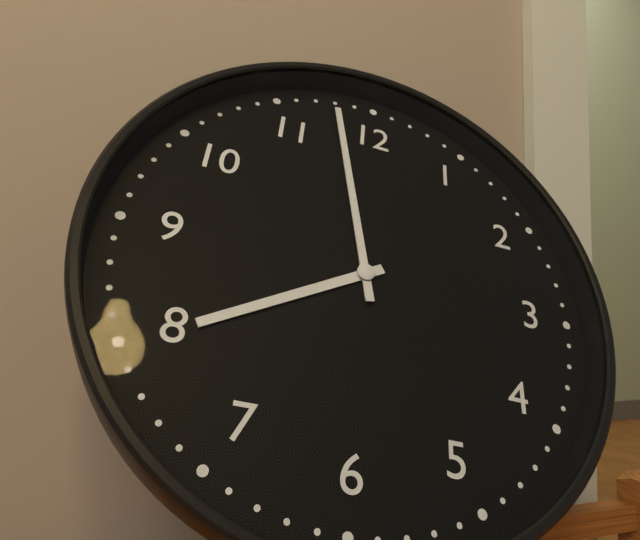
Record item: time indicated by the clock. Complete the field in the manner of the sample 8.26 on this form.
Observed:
7.58
